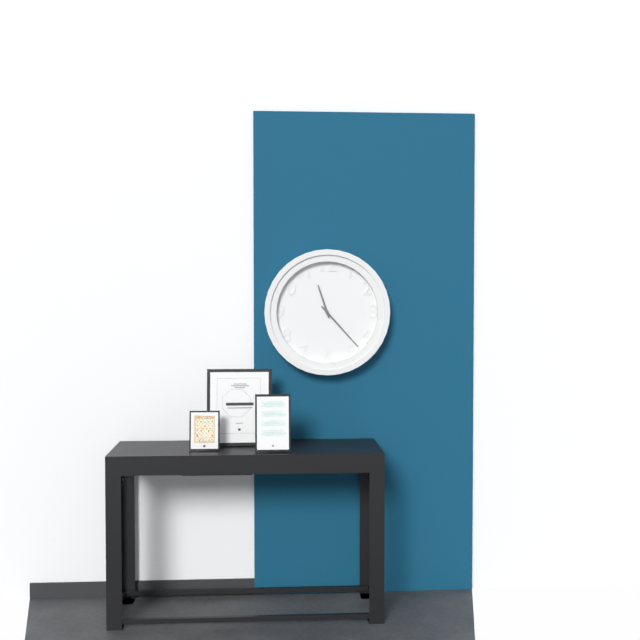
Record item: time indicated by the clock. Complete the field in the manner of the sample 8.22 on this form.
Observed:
11.23
